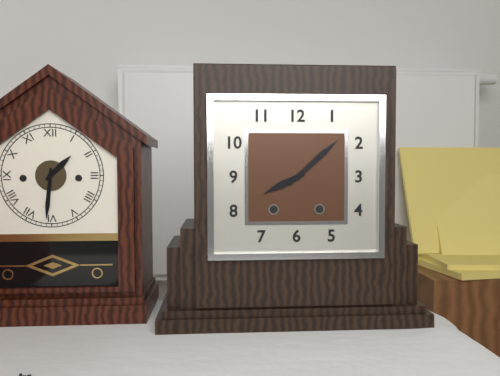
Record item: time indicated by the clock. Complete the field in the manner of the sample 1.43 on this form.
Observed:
8.08
